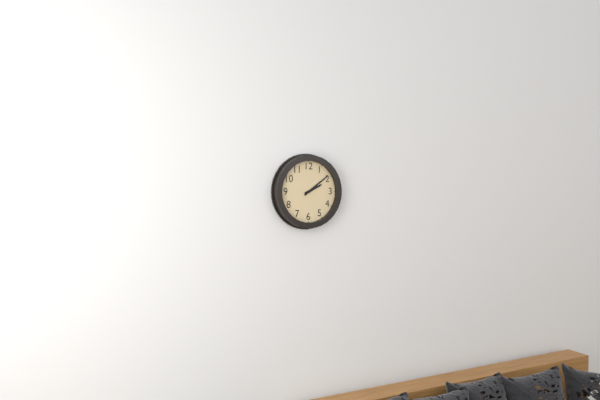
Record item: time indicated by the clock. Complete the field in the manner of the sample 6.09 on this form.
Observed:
2.09
